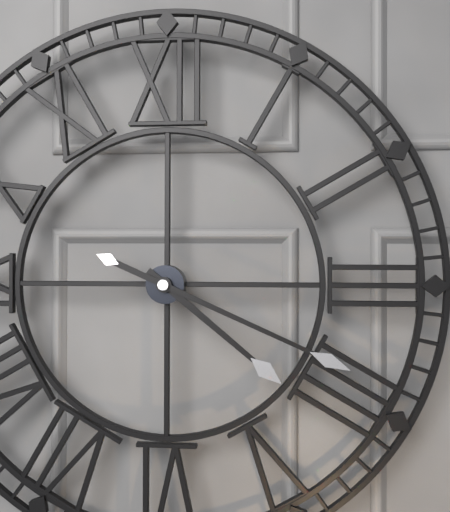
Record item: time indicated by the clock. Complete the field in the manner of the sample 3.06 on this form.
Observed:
4.19
